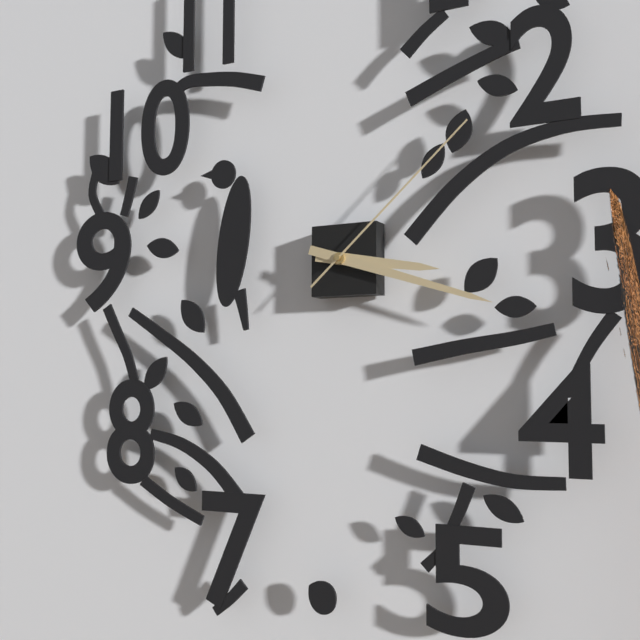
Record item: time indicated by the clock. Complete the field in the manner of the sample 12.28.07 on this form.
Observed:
3.18.08
